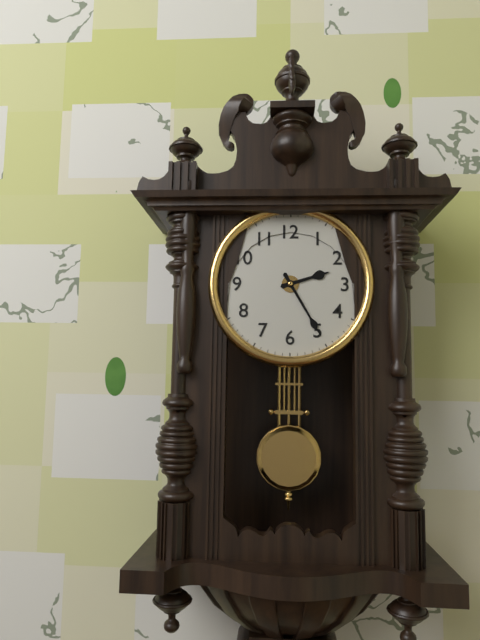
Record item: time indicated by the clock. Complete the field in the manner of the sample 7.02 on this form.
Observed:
2.25
